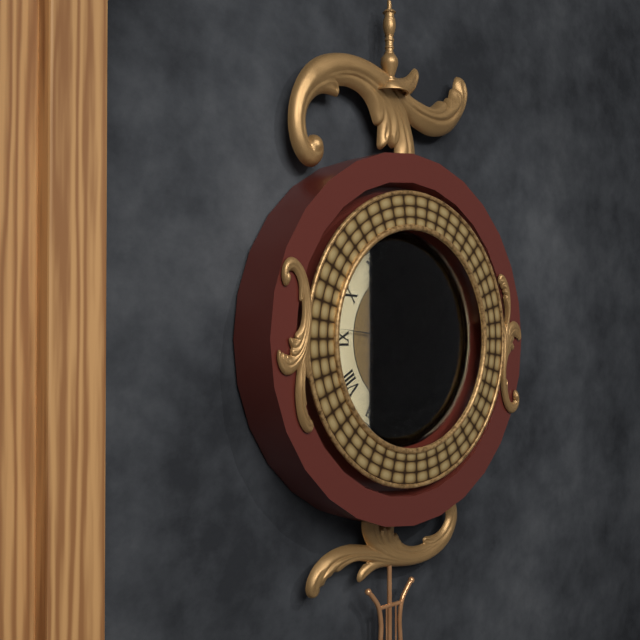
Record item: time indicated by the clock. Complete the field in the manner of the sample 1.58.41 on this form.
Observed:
11.31.46
